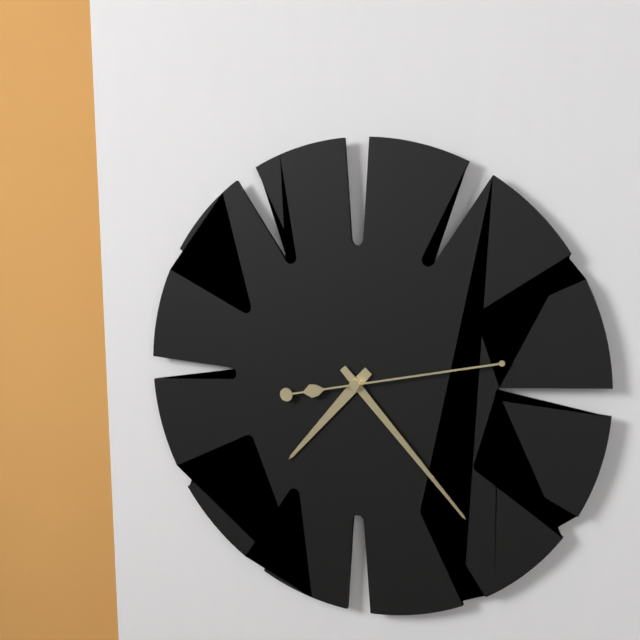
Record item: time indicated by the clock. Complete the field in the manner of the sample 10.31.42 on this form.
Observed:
7.23.13
